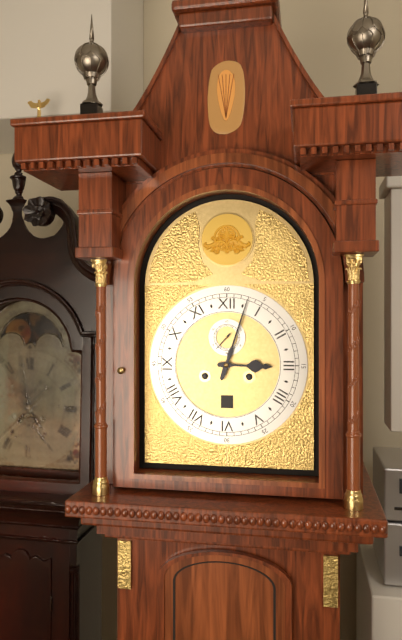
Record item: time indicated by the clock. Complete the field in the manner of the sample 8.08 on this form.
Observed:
3.03
